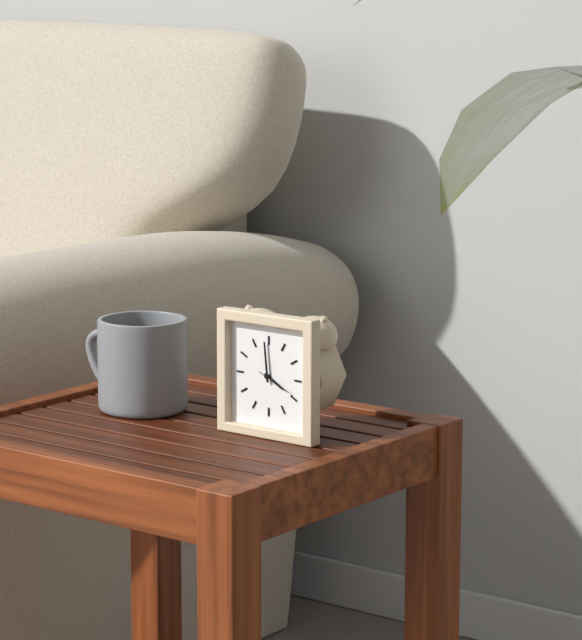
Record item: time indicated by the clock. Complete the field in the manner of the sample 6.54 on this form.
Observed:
3.59
